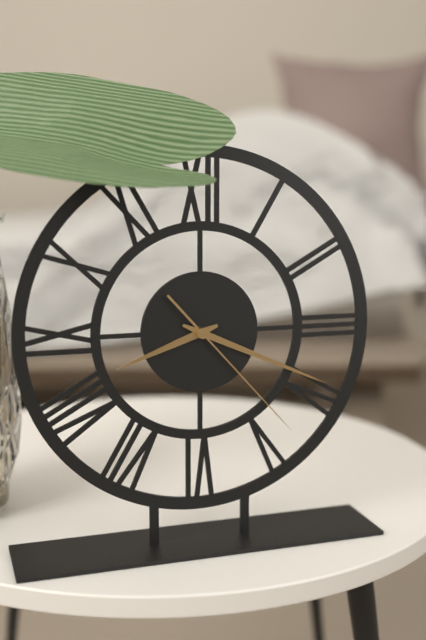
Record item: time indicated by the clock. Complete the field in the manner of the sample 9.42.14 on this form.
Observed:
8.19.23
